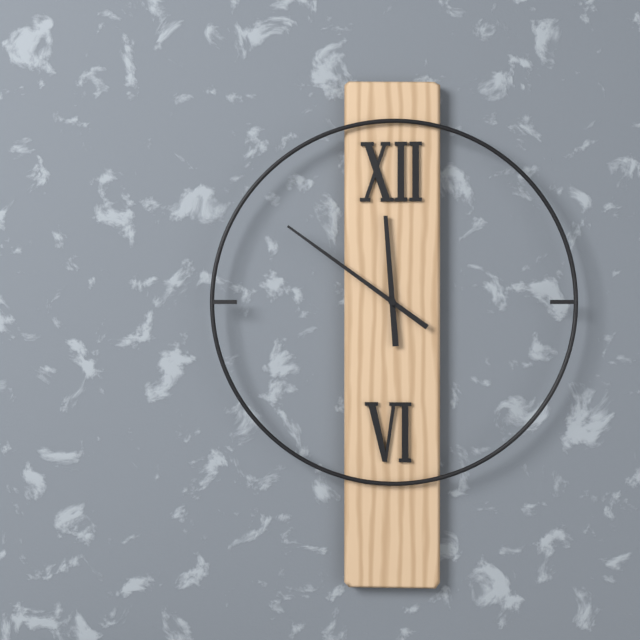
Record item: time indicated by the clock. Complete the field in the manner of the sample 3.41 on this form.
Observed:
11.51
